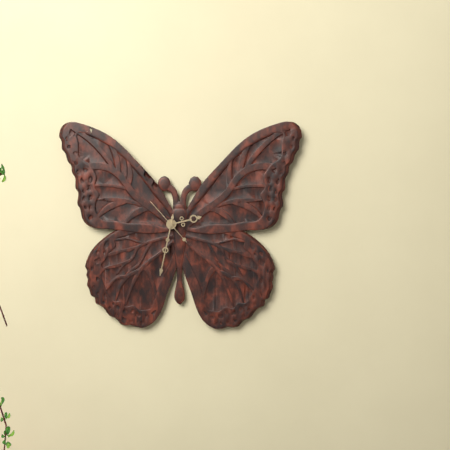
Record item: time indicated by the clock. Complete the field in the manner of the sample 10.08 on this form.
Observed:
2.32
